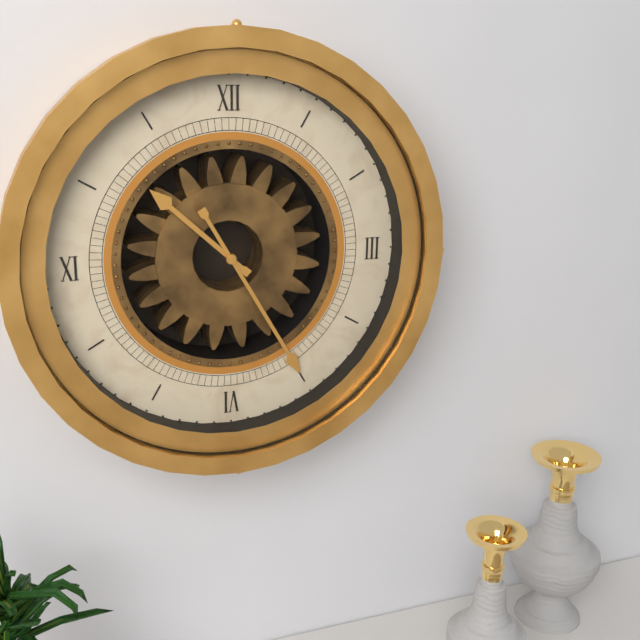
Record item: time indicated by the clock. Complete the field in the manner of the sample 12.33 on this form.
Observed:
10.25
